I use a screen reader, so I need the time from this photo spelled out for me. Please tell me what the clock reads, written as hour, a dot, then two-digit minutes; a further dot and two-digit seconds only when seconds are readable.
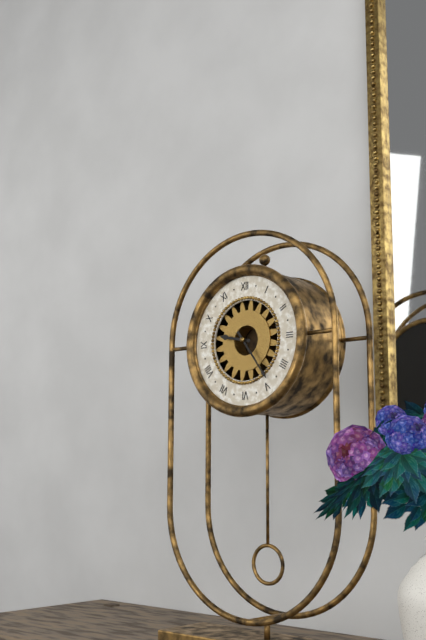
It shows 9.24
